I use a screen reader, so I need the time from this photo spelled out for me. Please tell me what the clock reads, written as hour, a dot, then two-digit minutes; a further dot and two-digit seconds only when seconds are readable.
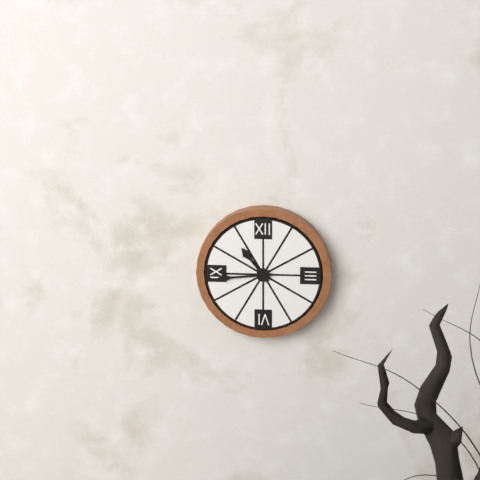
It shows 10.44
